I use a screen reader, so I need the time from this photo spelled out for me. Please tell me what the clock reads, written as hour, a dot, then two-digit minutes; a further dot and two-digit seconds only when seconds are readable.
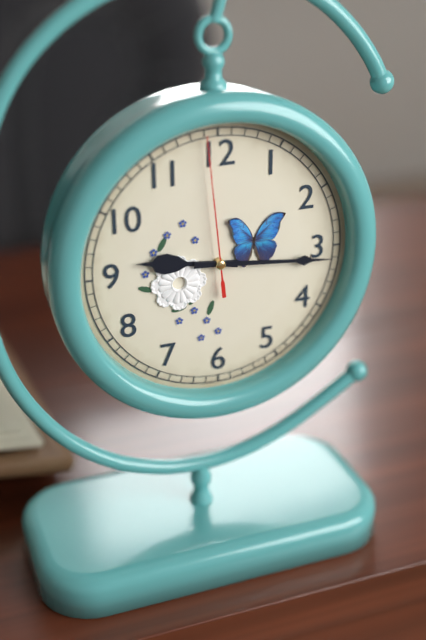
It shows 9.16.59
